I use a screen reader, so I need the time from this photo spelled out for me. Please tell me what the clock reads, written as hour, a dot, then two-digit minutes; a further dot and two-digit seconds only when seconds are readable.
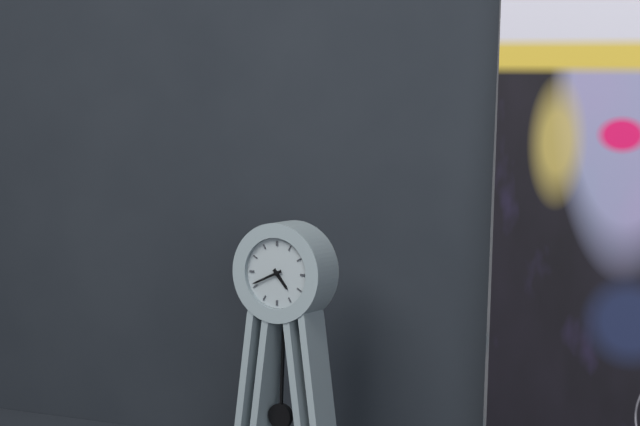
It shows 4.41
